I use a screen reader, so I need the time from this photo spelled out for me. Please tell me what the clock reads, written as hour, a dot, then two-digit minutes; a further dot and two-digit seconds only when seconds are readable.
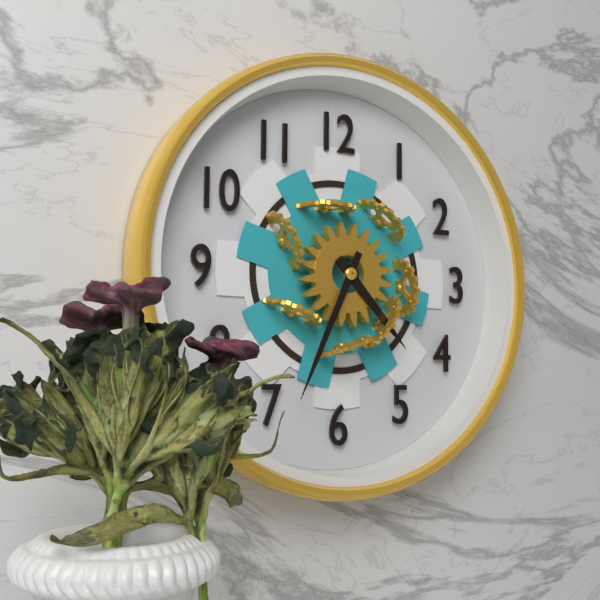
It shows 4.34
